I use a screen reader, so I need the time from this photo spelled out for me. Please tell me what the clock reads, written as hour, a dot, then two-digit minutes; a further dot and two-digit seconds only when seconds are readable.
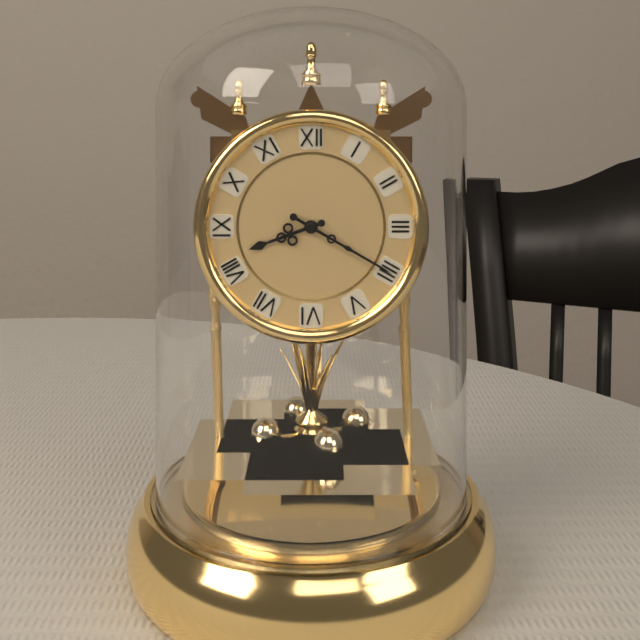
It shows 8.20
